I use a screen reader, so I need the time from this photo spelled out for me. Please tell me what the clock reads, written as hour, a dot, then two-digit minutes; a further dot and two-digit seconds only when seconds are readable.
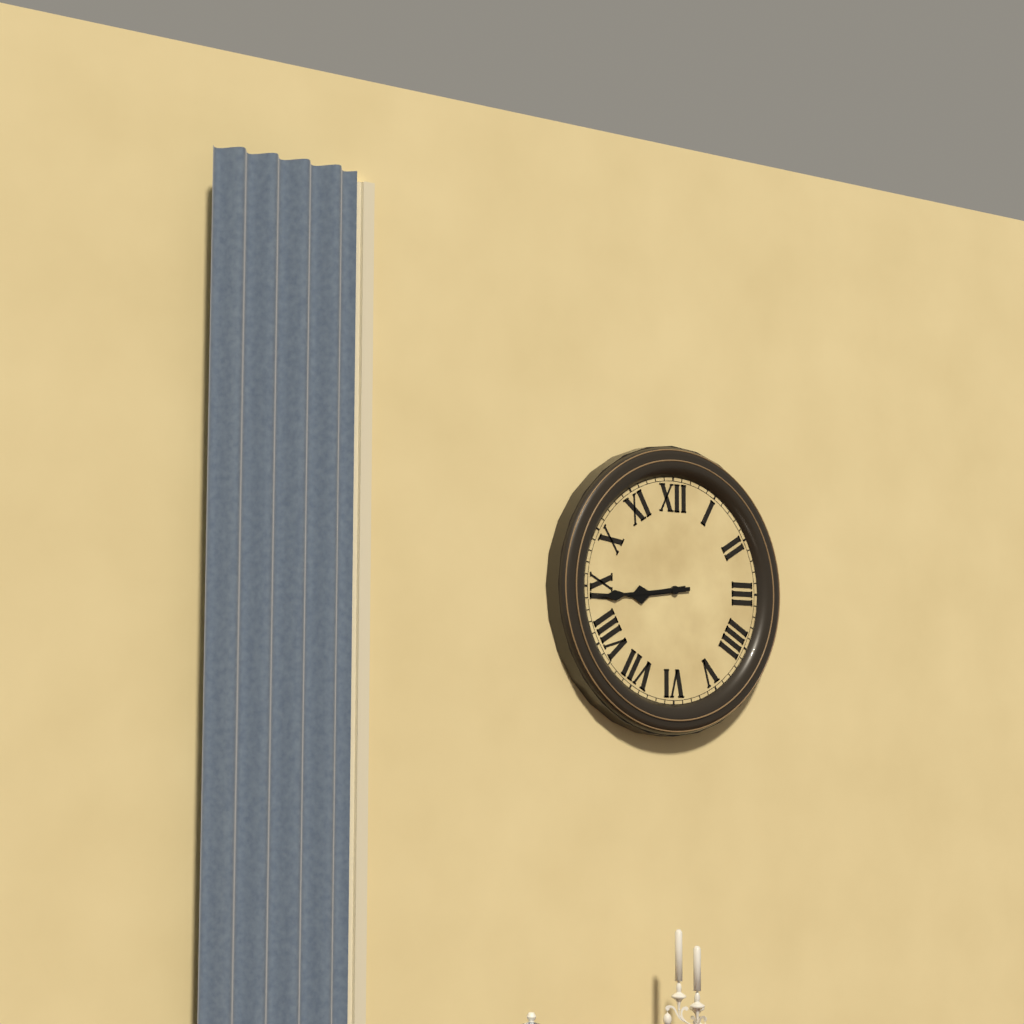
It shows 8.44
